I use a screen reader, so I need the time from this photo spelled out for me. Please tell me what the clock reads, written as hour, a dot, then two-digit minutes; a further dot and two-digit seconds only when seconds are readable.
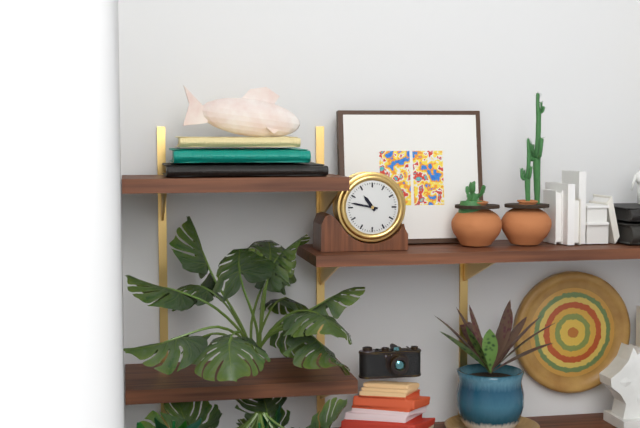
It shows 10.47
